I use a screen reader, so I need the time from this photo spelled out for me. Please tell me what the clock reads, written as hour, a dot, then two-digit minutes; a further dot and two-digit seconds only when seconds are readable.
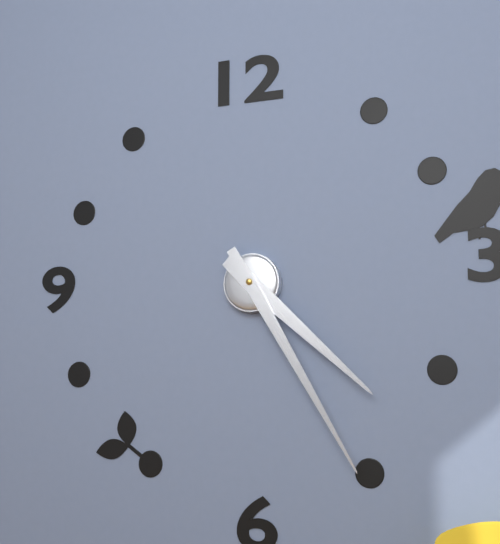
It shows 4.25
